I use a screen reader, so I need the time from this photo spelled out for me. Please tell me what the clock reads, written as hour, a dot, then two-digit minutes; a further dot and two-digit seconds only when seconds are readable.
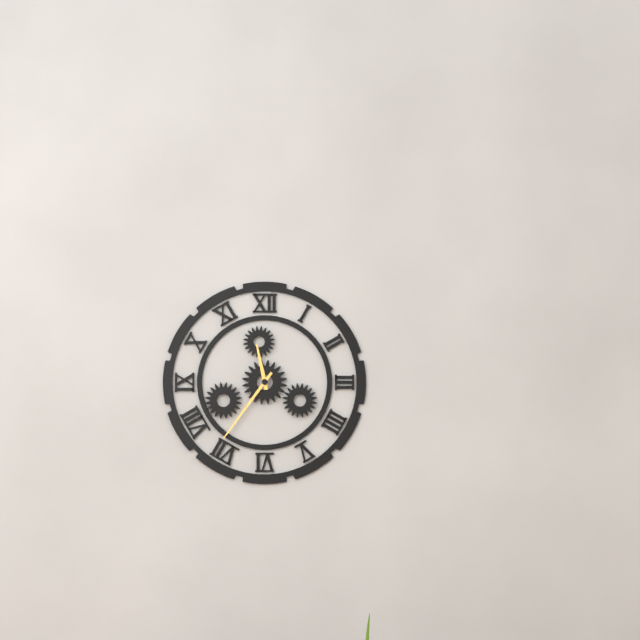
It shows 11.36
